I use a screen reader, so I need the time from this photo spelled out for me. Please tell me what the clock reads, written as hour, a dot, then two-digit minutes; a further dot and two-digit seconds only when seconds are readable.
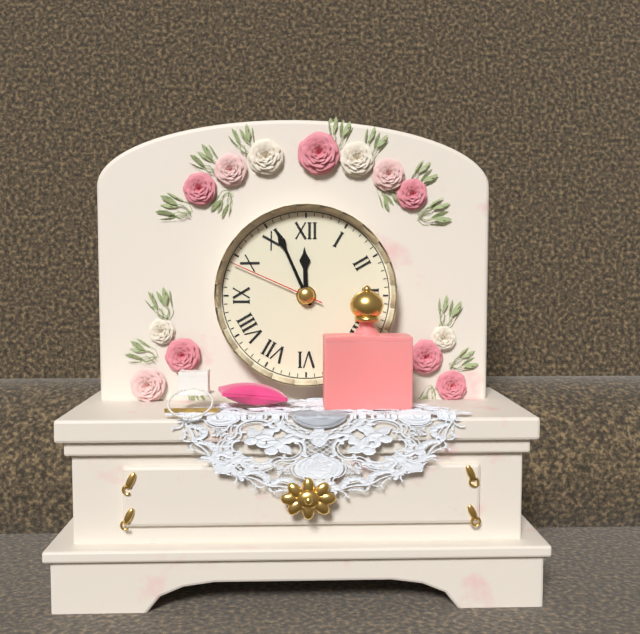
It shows 11.56.49
